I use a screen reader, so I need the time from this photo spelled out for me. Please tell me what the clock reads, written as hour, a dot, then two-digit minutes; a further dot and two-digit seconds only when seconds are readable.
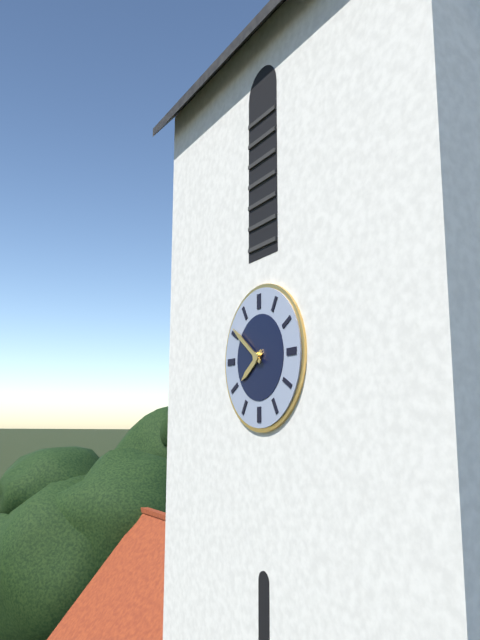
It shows 7.51
